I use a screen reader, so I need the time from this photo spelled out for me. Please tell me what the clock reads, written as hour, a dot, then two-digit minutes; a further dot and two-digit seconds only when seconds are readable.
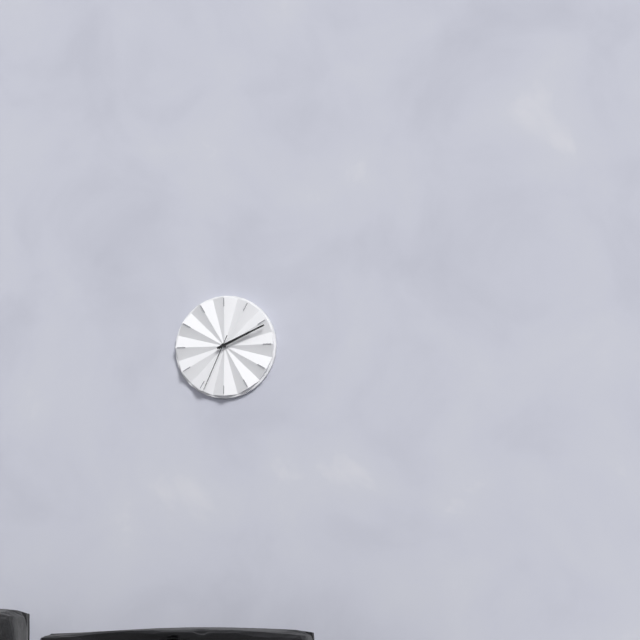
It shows 2.11.34
